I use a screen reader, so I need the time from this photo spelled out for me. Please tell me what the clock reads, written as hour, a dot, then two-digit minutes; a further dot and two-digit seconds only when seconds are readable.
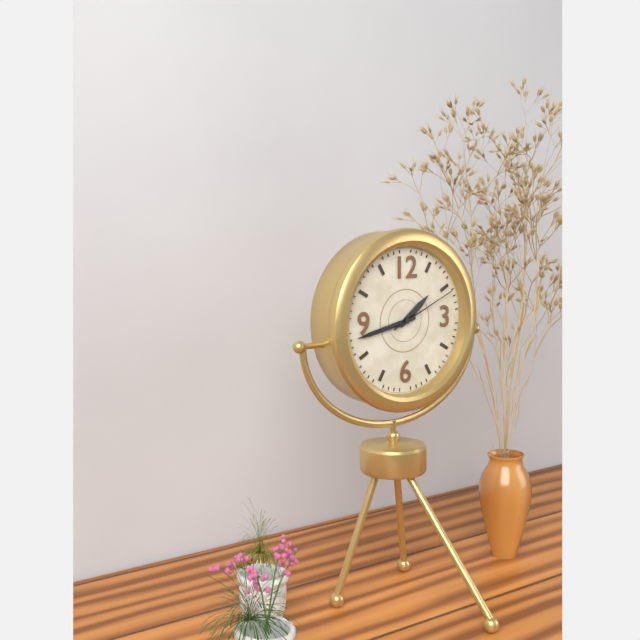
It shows 1.43.11
